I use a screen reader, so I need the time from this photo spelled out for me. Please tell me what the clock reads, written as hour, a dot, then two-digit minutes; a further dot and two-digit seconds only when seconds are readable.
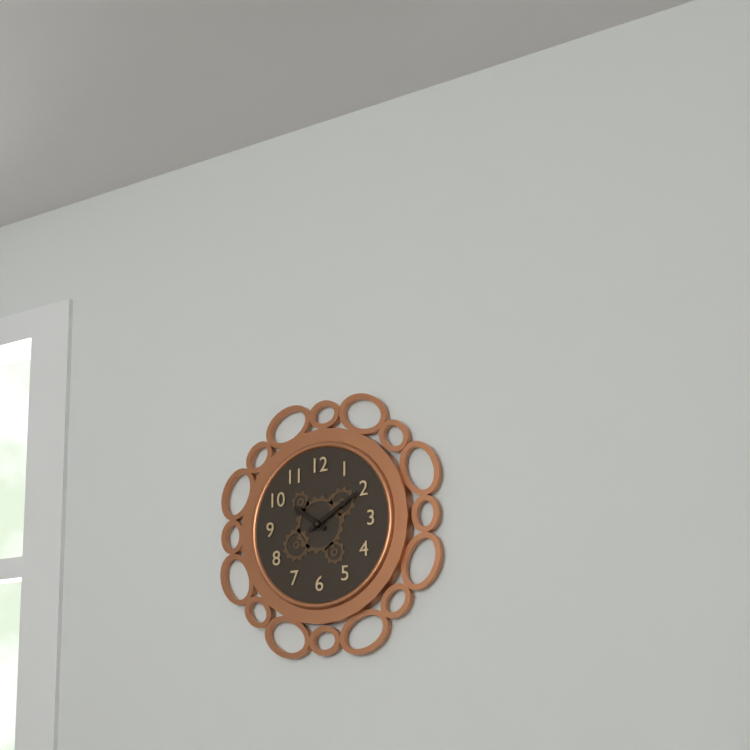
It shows 10.10
